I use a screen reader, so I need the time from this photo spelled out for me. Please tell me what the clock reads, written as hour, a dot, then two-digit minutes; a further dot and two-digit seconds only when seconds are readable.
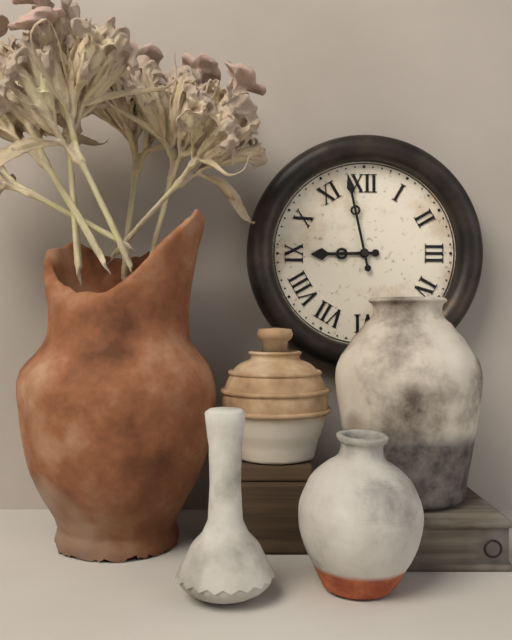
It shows 8.58
